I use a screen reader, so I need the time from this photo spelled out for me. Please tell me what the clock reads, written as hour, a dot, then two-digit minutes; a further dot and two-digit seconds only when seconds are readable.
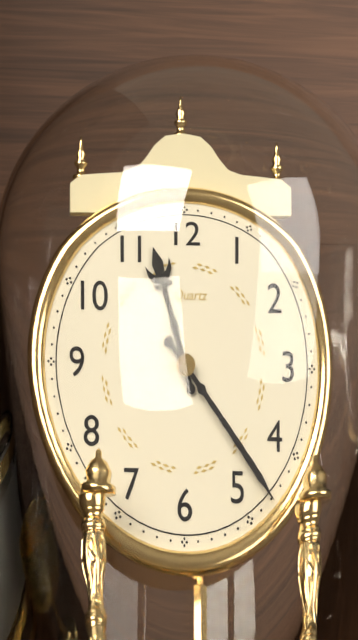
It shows 11.23
